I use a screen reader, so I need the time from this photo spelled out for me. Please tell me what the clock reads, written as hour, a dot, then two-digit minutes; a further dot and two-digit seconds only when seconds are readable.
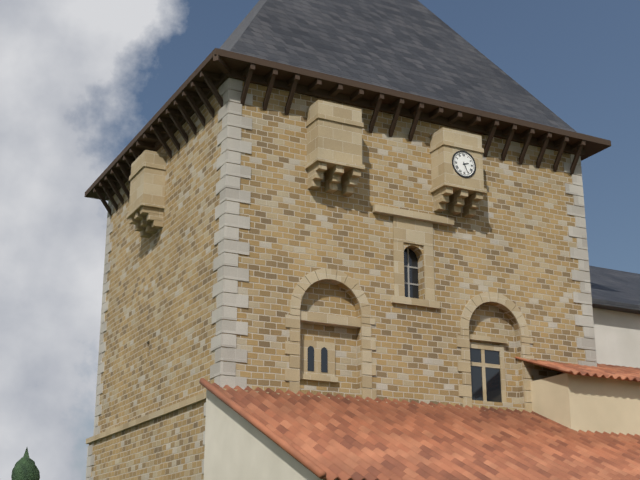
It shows 2.26
